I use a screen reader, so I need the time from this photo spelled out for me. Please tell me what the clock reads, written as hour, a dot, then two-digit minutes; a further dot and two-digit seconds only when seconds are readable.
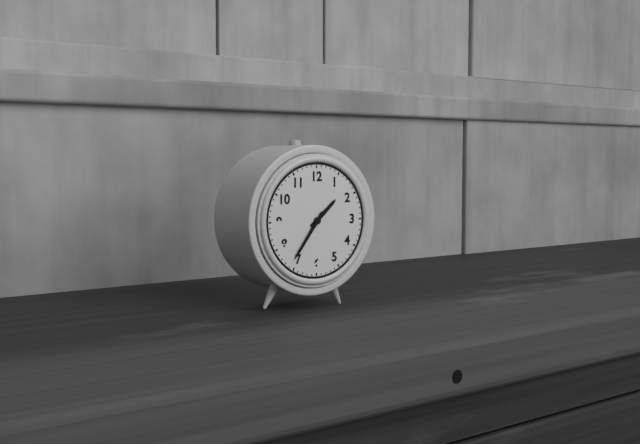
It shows 1.36
